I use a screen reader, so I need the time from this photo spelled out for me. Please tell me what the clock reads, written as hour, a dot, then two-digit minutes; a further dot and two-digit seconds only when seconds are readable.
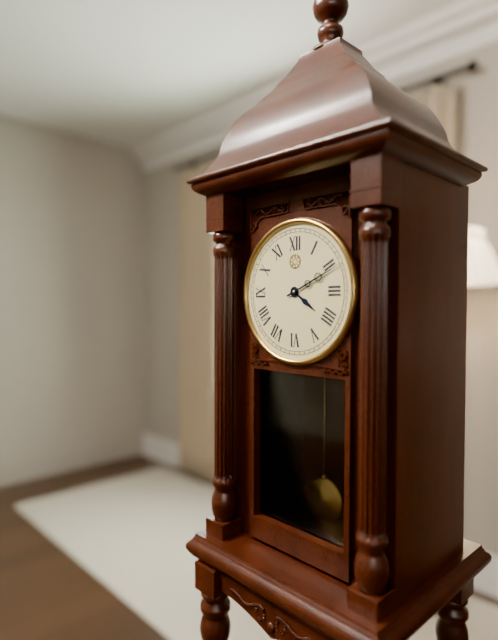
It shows 4.11
